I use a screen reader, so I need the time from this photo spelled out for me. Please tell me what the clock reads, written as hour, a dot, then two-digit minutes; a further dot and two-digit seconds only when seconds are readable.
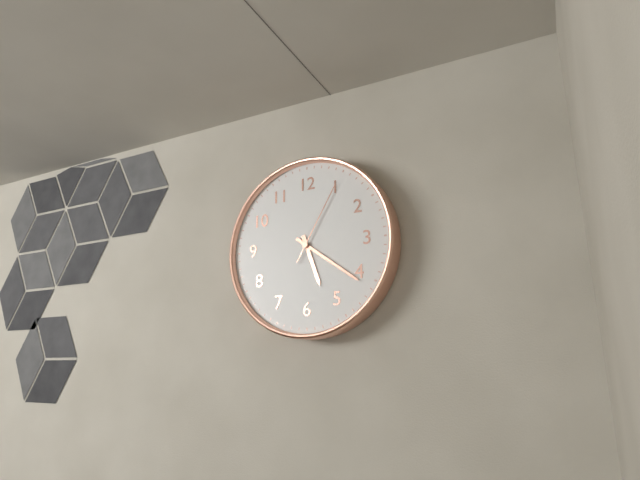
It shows 5.21.05
